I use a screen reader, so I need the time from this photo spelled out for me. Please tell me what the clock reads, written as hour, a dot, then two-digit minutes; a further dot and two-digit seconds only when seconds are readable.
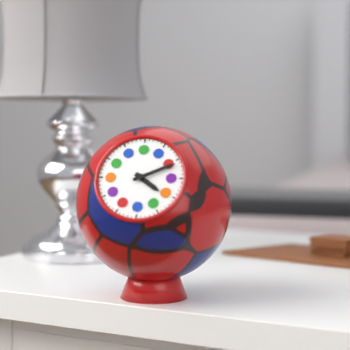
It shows 4.11
